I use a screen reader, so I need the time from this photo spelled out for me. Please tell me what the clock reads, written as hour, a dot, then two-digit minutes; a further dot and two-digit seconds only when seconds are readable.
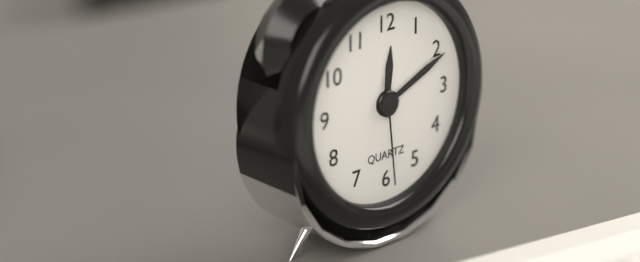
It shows 12.11.29
